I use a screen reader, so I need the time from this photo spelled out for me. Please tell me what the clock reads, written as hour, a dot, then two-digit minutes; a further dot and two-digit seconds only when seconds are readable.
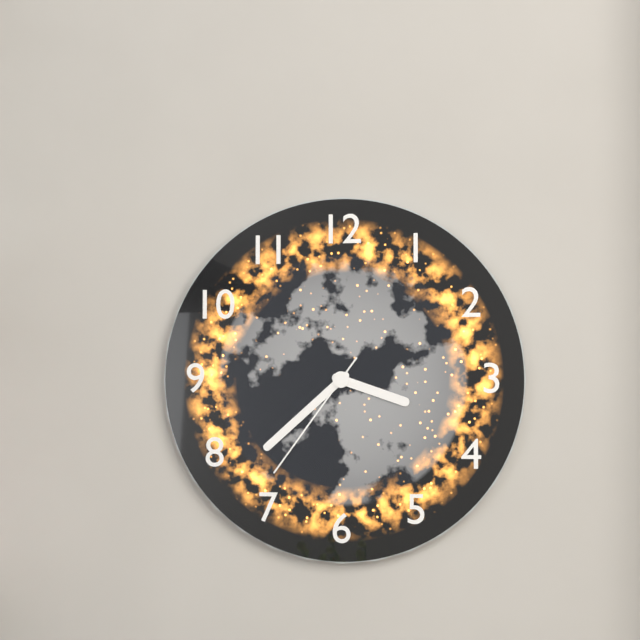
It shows 3.38.36
